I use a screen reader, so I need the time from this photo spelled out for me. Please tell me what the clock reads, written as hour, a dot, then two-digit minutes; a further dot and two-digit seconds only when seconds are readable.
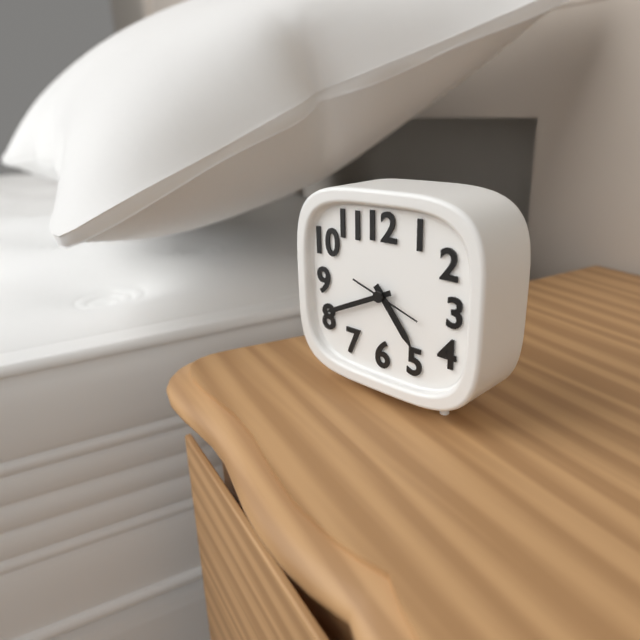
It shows 4.41.18
